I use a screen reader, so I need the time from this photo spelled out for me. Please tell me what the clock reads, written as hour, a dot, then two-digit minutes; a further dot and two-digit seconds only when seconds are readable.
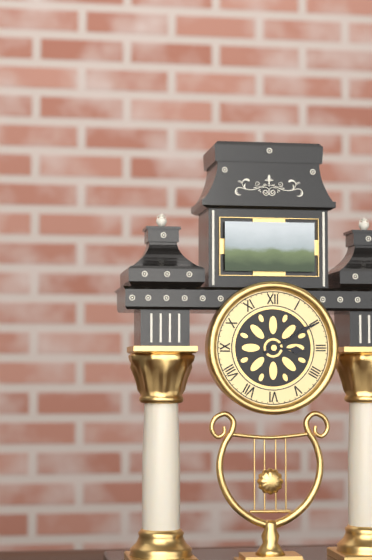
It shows 3.10
